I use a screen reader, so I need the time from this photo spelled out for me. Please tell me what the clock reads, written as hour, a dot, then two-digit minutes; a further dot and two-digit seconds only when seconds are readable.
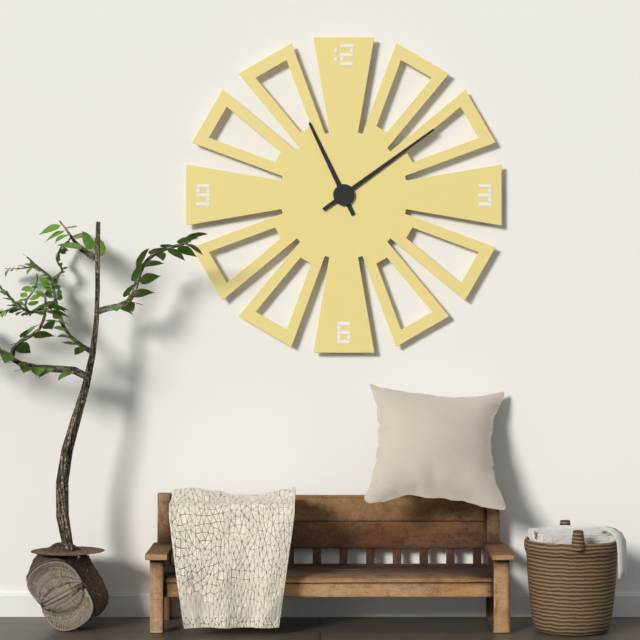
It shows 11.09
